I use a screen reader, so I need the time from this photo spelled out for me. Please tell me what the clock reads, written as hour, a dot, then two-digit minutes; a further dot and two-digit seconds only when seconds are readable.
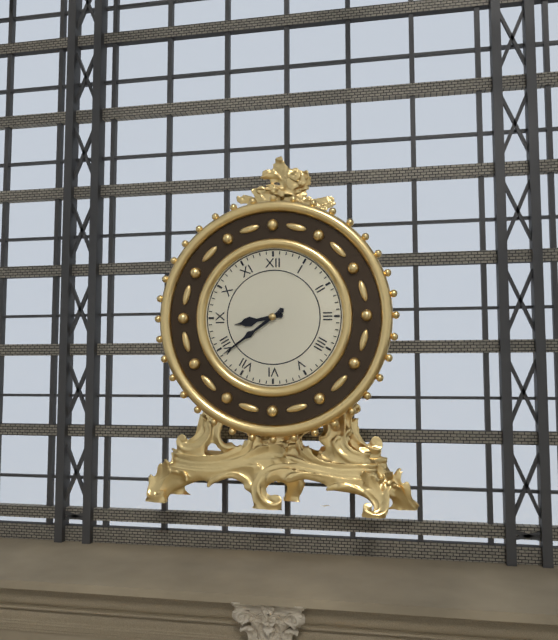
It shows 8.39
